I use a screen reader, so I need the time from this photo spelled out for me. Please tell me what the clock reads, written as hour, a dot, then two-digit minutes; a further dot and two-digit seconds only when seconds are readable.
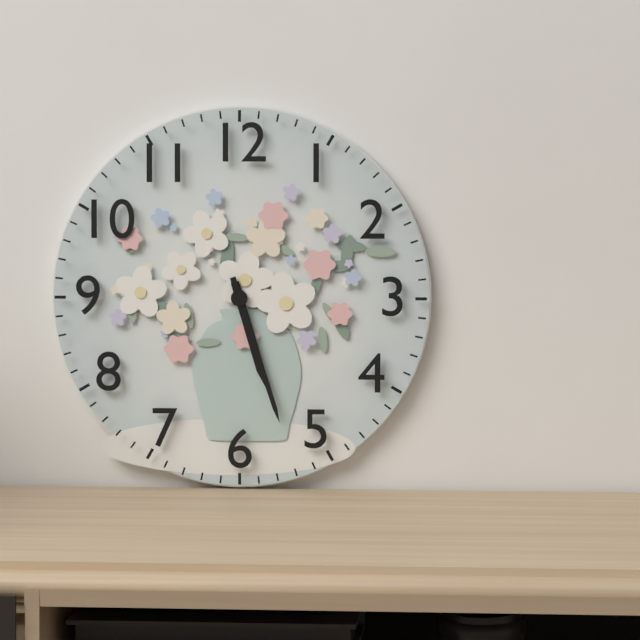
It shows 5.27
